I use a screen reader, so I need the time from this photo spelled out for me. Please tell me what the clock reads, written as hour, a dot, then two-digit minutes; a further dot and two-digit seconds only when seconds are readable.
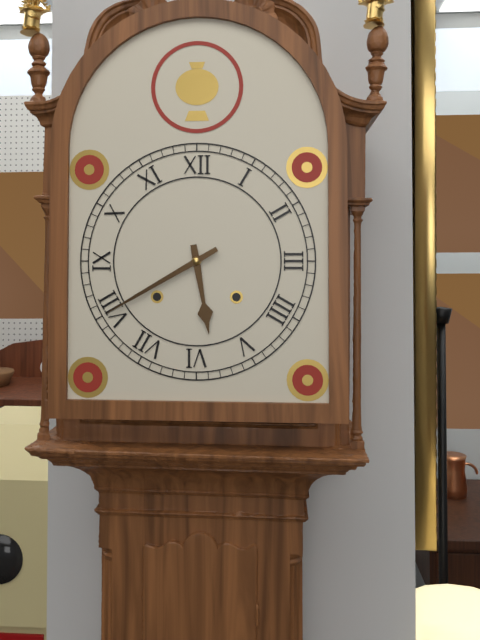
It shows 5.40
